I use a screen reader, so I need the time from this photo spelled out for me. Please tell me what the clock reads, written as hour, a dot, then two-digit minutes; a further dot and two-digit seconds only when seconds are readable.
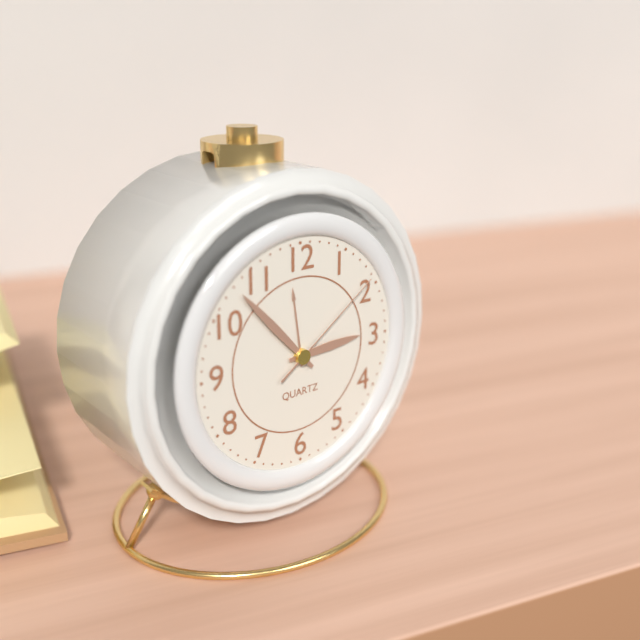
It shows 2.53.09
